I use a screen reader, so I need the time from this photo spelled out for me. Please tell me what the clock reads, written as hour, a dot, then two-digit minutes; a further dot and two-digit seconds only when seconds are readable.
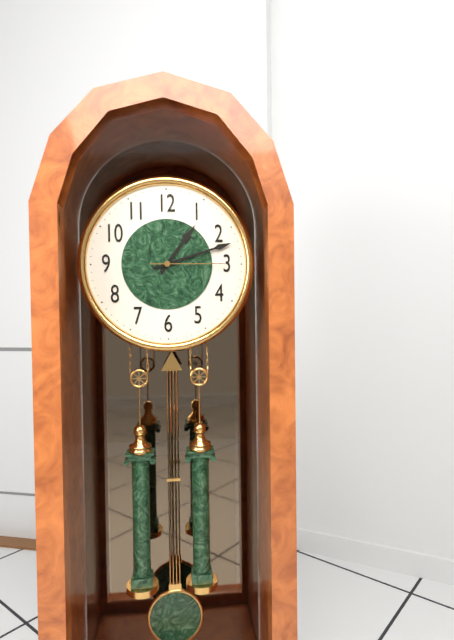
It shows 1.12.15
